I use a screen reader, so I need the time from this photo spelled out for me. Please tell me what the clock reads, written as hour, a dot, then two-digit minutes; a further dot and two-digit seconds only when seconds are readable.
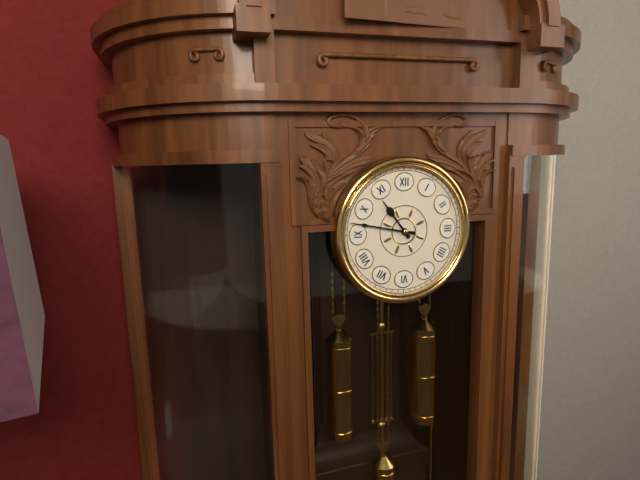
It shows 10.47
